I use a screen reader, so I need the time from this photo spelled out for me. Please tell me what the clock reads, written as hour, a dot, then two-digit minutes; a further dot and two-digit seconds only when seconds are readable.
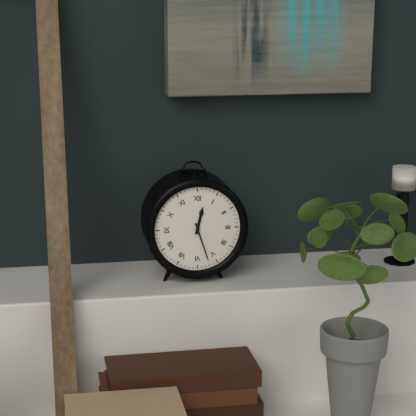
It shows 12.27
